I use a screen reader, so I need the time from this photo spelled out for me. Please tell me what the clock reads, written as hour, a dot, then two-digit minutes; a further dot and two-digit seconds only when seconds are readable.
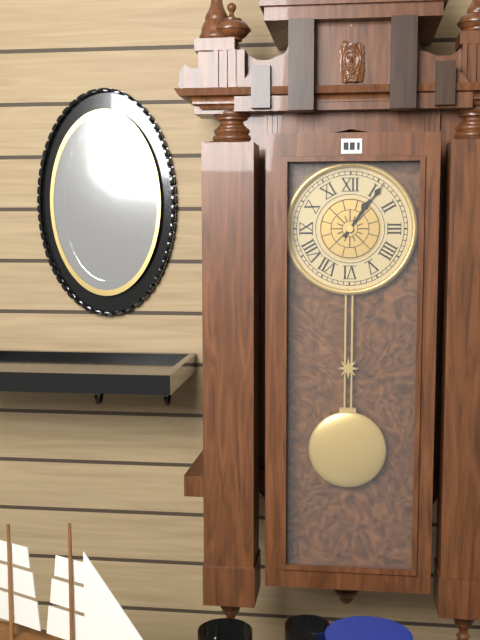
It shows 1.06
